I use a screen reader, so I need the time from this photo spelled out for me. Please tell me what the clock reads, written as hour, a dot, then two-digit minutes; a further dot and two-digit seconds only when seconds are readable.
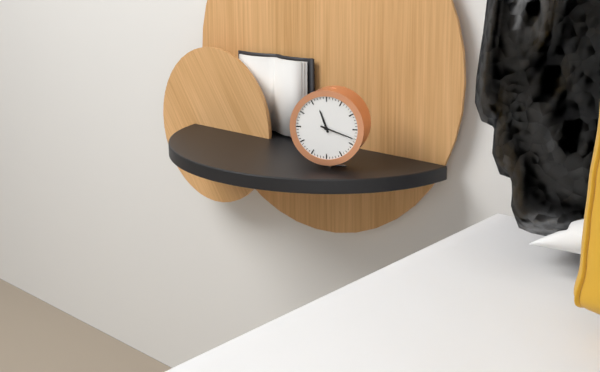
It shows 11.18
